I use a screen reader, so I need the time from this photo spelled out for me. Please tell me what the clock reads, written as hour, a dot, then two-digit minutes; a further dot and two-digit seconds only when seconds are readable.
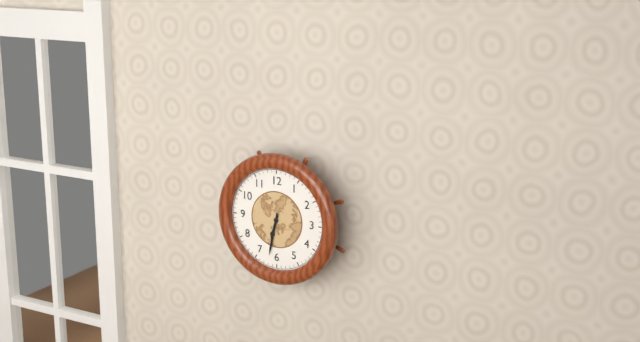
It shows 6.32
